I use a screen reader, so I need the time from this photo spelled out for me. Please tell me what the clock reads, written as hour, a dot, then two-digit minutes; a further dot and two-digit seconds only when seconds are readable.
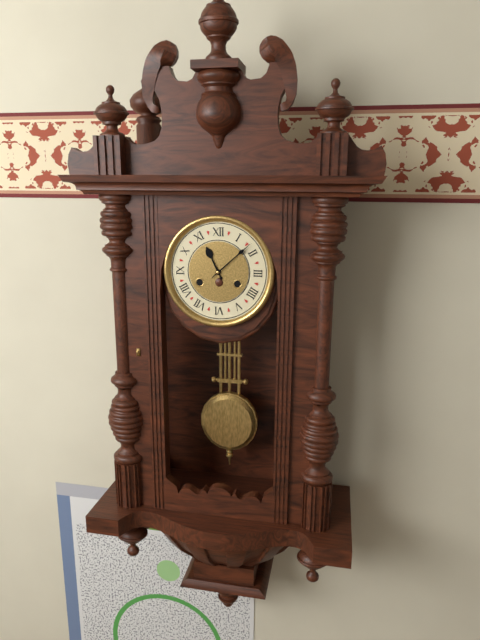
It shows 11.08
